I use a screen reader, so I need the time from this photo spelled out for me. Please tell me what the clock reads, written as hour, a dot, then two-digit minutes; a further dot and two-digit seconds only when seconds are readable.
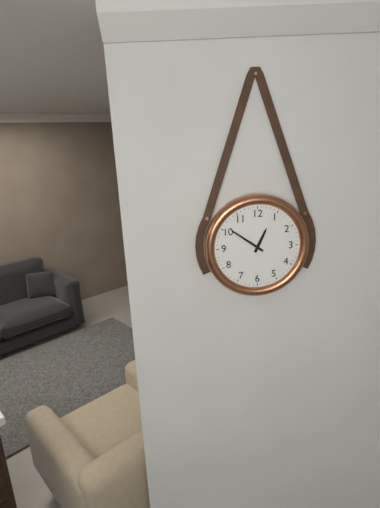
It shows 12.51
